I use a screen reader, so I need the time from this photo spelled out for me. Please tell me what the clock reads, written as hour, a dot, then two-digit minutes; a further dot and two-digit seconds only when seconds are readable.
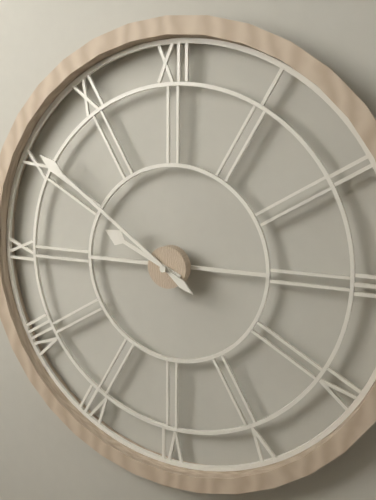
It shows 9.51
